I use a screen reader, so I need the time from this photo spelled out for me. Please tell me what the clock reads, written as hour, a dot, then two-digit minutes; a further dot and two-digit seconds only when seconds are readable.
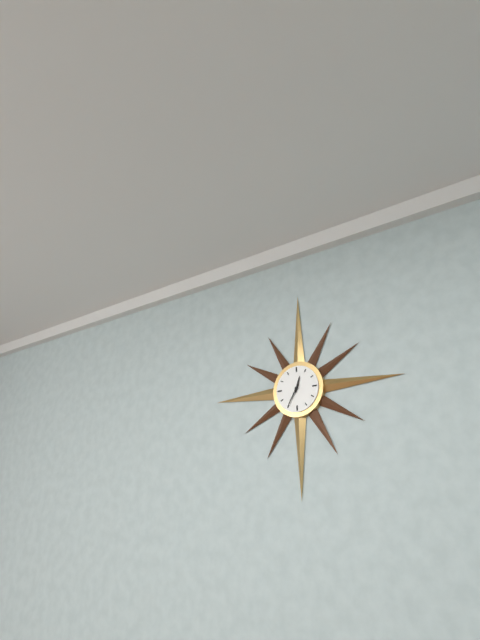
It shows 12.35
